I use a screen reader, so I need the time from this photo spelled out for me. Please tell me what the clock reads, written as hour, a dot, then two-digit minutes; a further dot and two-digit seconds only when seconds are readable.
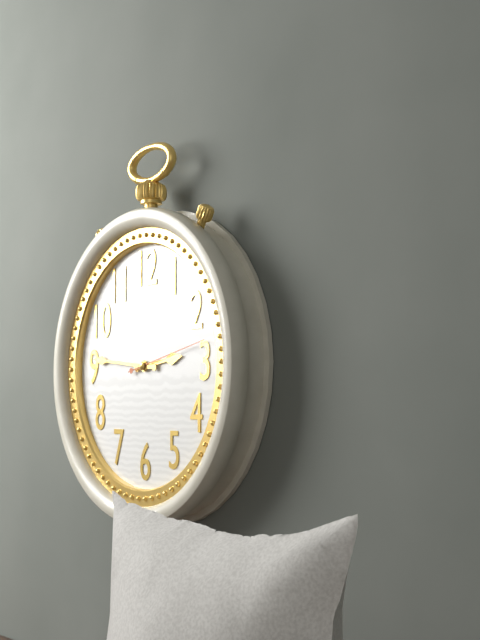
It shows 2.46.13
